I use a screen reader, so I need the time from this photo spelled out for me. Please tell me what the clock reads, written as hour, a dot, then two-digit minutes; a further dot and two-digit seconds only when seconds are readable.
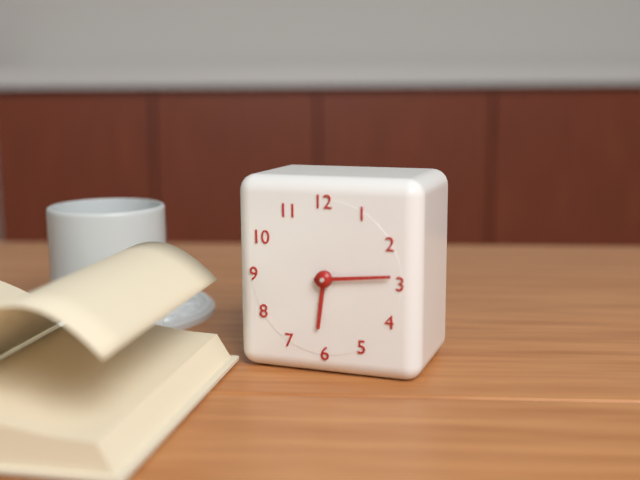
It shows 6.14
